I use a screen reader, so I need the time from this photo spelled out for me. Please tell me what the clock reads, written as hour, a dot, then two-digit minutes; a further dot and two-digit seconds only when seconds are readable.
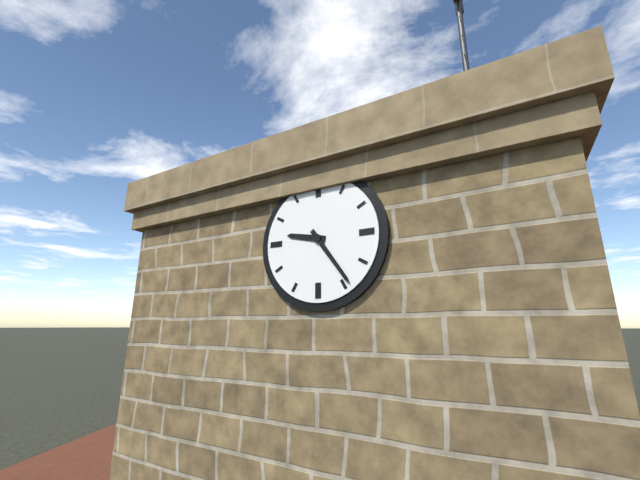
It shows 9.24
